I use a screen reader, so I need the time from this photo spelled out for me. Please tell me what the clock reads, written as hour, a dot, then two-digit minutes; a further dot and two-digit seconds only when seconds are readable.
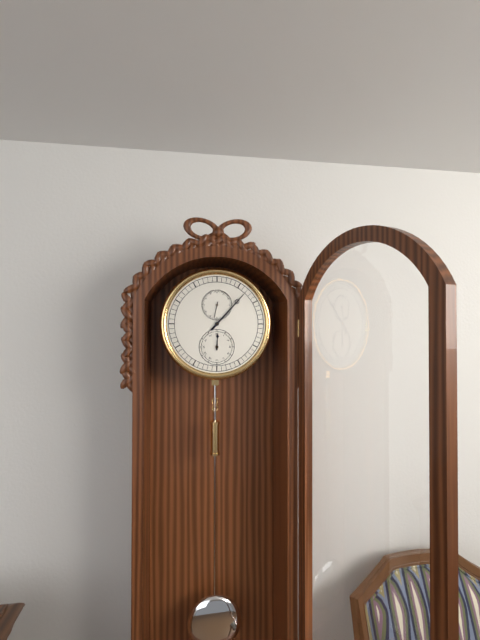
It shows 12.07
